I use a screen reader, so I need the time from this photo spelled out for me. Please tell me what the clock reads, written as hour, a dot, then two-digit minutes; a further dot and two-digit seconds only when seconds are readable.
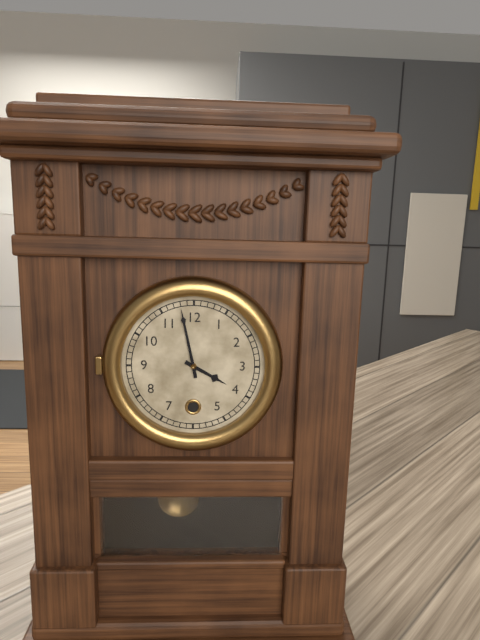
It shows 3.58
